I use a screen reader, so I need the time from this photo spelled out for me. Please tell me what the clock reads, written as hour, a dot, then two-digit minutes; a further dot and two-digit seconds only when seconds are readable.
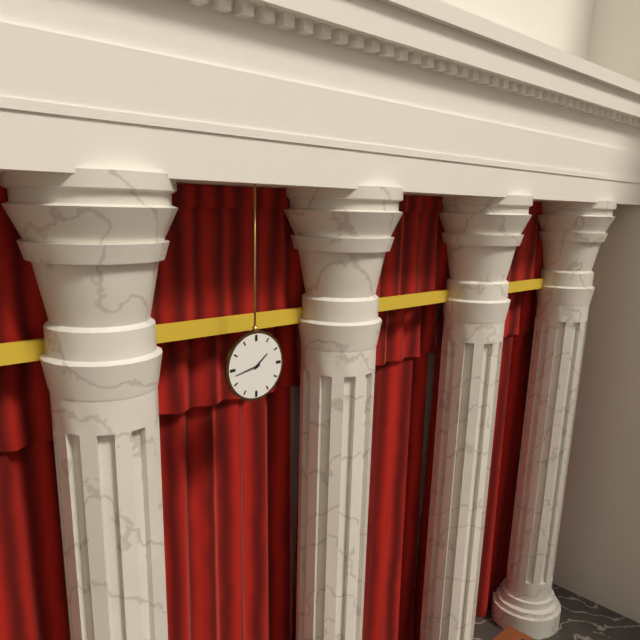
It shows 1.43
